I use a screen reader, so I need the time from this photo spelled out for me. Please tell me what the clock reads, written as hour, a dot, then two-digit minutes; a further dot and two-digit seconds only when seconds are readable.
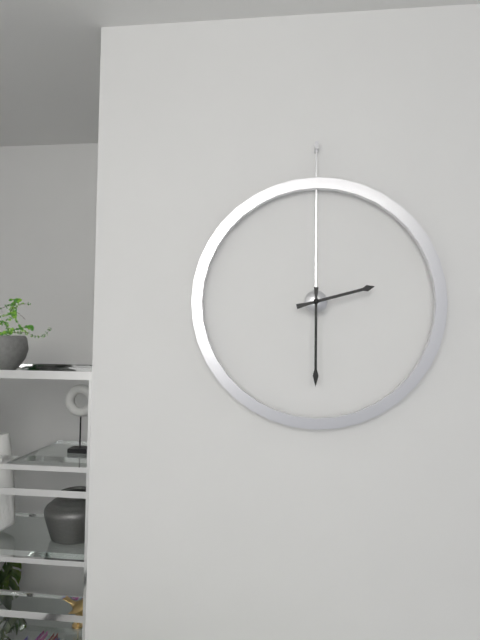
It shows 2.30
